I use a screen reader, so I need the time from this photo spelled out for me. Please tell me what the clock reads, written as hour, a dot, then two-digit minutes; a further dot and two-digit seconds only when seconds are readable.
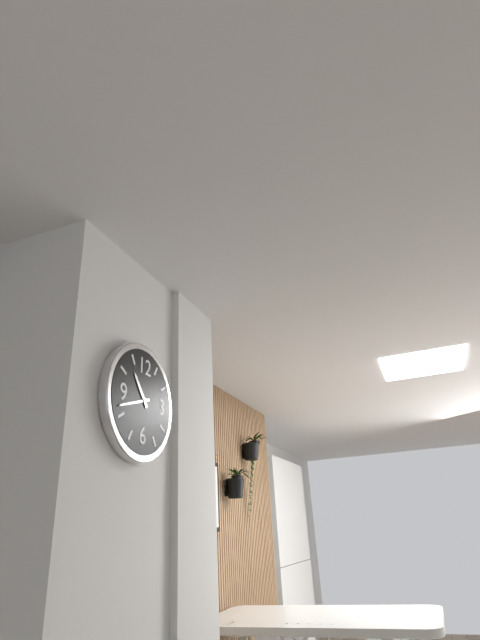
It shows 10.42
